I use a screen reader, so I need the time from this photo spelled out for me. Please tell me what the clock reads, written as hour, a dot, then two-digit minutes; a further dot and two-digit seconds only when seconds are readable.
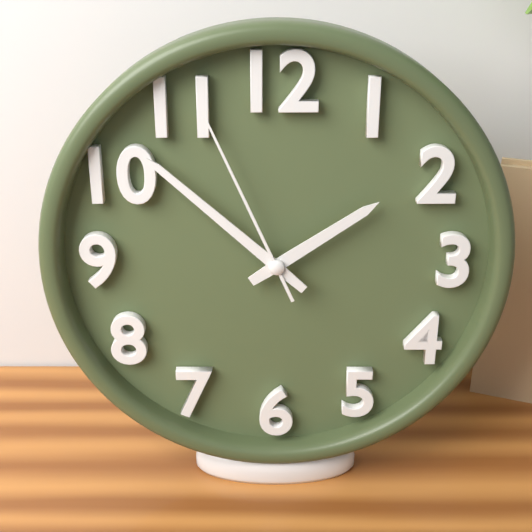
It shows 1.52.56
